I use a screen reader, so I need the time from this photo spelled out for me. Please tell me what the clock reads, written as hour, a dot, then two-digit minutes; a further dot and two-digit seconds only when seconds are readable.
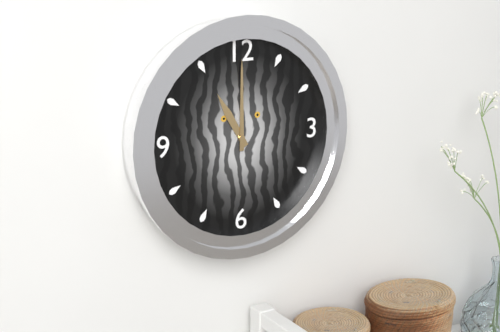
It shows 11.00
